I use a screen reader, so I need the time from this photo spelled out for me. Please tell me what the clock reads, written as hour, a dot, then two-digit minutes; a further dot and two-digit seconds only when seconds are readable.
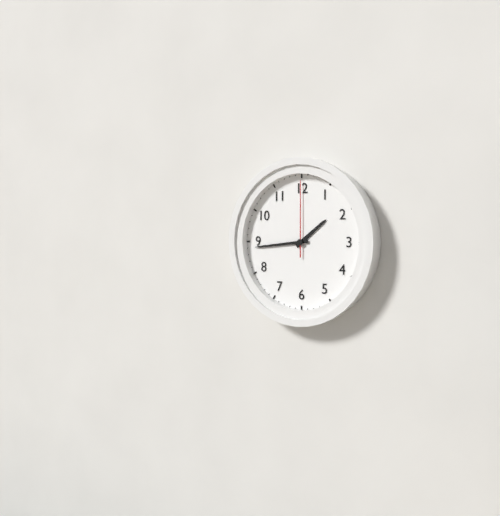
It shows 1.44.00
